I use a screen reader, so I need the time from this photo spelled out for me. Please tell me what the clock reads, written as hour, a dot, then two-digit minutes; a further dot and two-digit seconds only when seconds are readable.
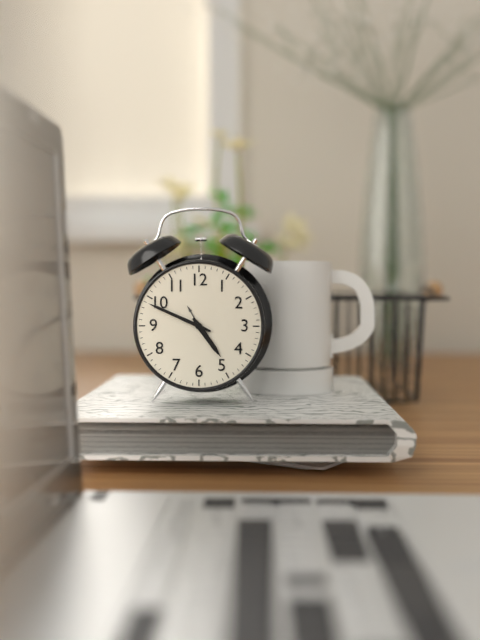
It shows 4.49
